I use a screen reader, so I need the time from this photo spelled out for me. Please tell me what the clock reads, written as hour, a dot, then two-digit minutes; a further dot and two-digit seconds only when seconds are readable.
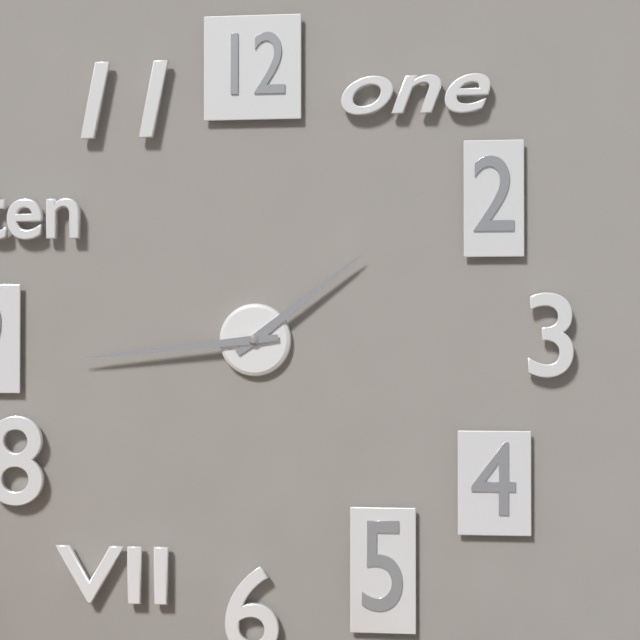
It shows 1.44
